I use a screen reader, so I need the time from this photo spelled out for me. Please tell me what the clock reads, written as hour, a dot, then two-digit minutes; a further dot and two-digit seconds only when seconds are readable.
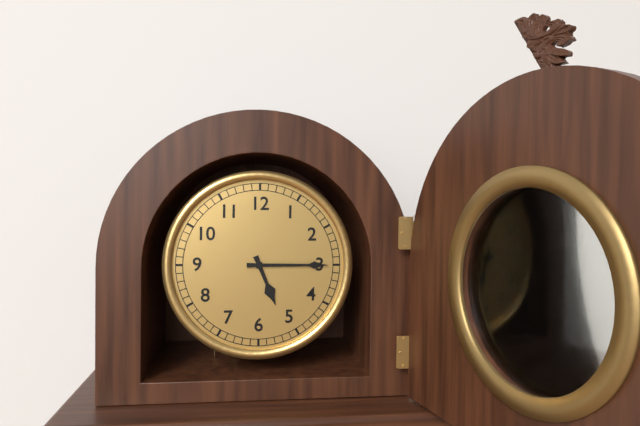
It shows 5.15
